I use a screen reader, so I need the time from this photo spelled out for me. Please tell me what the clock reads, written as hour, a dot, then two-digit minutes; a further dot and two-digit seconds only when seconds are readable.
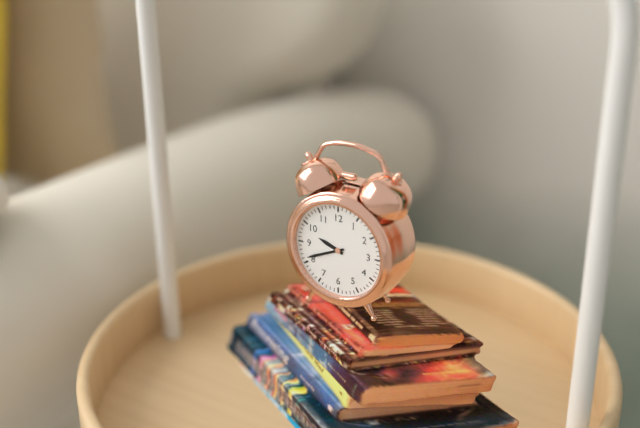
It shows 9.41
